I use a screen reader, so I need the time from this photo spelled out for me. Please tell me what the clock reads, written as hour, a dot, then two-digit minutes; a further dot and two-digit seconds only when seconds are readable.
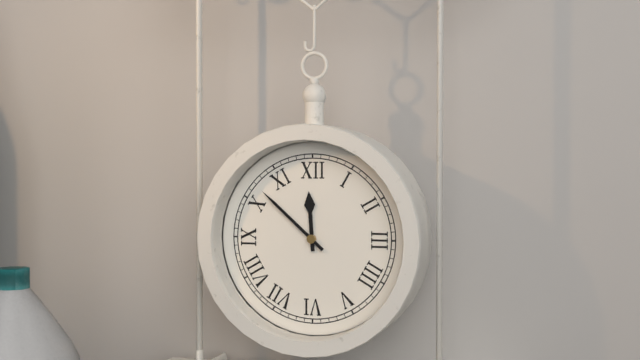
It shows 11.52
